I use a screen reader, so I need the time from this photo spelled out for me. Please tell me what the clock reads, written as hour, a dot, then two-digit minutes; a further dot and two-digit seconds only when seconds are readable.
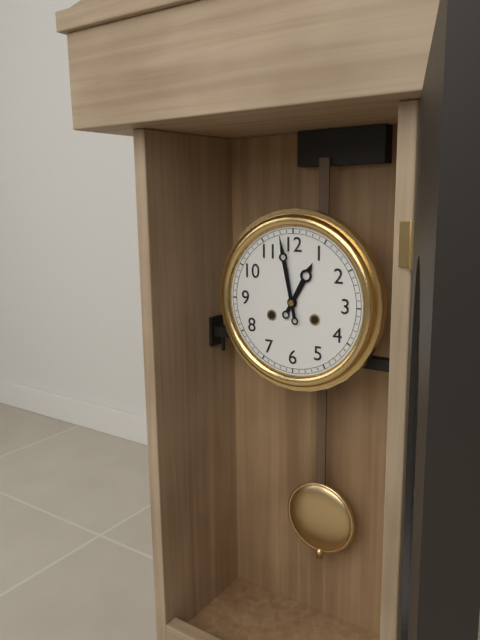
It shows 12.58
